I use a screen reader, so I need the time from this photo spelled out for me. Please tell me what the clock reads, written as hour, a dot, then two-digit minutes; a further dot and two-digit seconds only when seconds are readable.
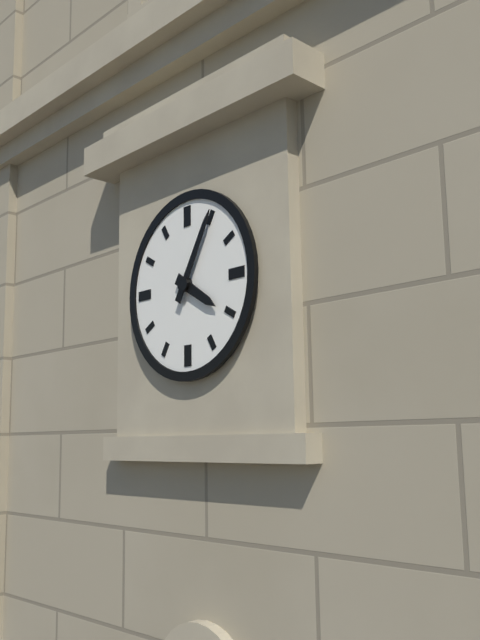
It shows 4.05
